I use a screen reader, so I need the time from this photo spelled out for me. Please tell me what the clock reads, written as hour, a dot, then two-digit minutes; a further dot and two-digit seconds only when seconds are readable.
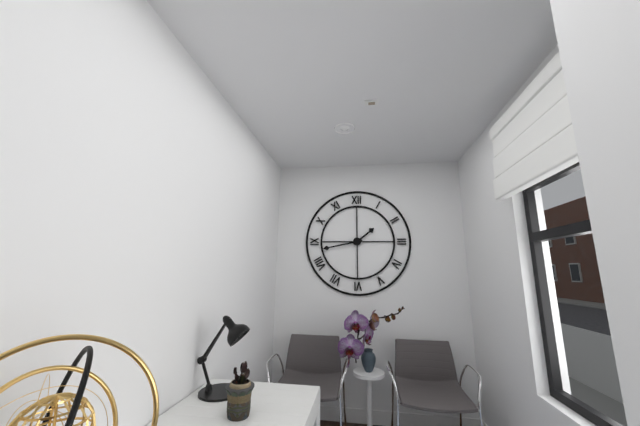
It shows 1.43
